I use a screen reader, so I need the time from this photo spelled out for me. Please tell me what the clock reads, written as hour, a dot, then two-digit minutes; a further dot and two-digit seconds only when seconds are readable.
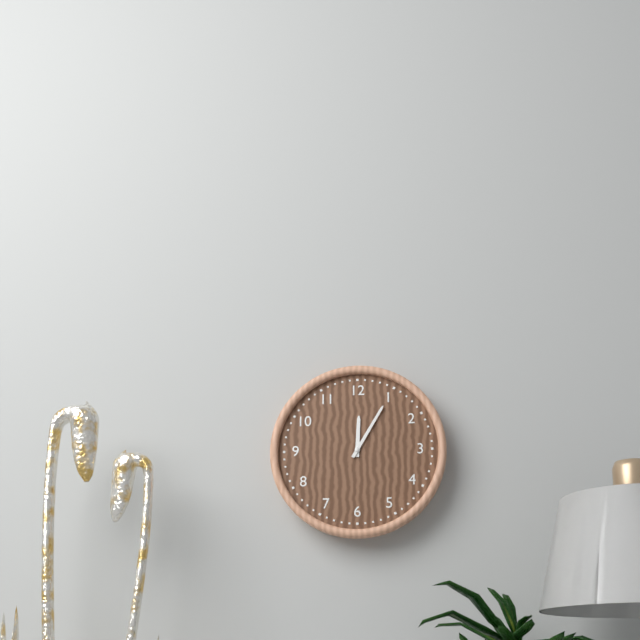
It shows 12.05
